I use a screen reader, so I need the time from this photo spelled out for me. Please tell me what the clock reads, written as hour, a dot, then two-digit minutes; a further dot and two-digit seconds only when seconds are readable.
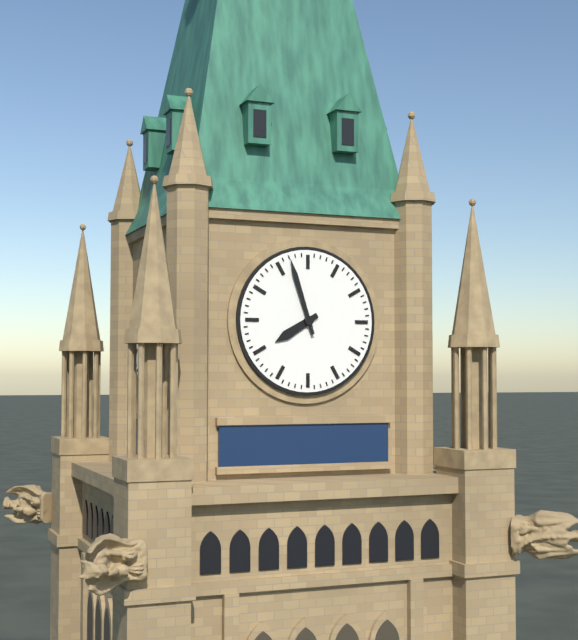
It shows 7.57
